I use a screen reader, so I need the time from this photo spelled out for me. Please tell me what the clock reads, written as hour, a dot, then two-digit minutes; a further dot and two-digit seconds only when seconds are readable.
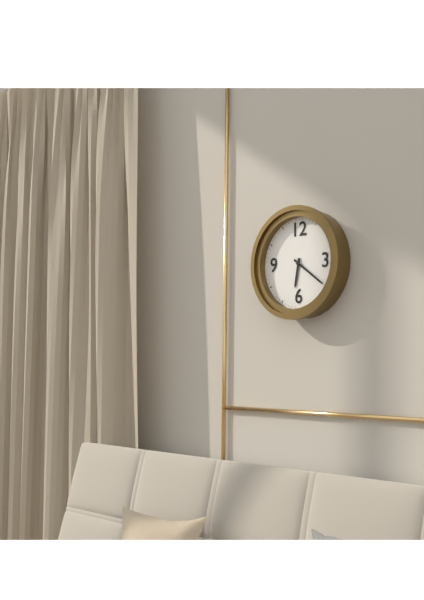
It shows 6.21
